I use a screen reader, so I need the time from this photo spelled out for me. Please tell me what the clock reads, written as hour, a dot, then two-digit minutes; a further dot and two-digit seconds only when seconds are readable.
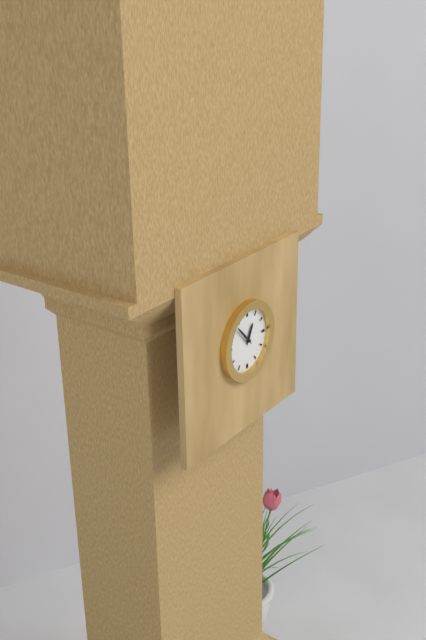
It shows 12.53
